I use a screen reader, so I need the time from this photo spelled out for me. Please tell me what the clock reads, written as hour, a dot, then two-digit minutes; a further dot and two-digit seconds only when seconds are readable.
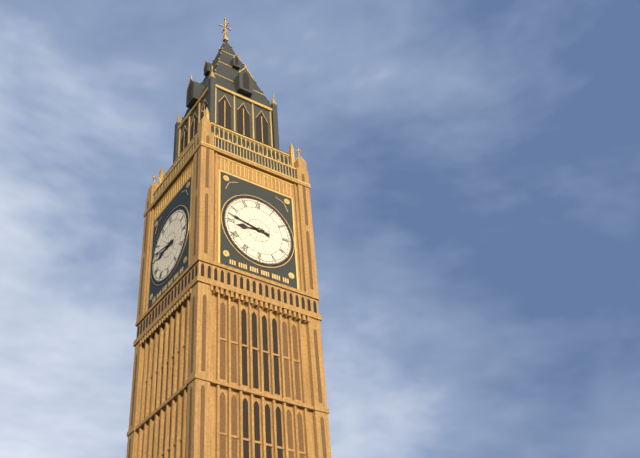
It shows 8.47
